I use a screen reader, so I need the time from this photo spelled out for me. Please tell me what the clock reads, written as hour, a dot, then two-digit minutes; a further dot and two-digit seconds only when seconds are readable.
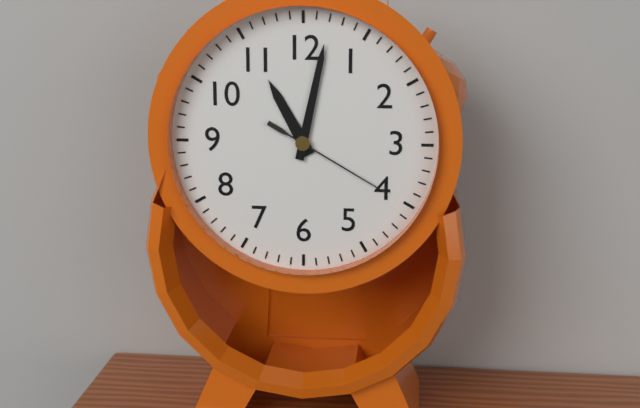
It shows 11.02.20
